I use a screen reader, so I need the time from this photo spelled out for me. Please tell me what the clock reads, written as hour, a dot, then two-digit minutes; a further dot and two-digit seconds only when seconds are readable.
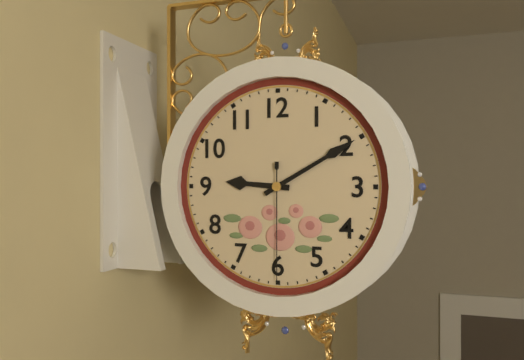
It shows 9.10.30
